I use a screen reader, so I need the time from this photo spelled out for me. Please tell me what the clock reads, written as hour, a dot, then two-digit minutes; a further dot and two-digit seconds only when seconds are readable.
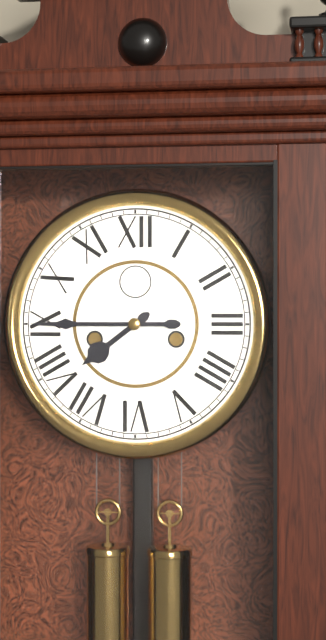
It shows 7.45
